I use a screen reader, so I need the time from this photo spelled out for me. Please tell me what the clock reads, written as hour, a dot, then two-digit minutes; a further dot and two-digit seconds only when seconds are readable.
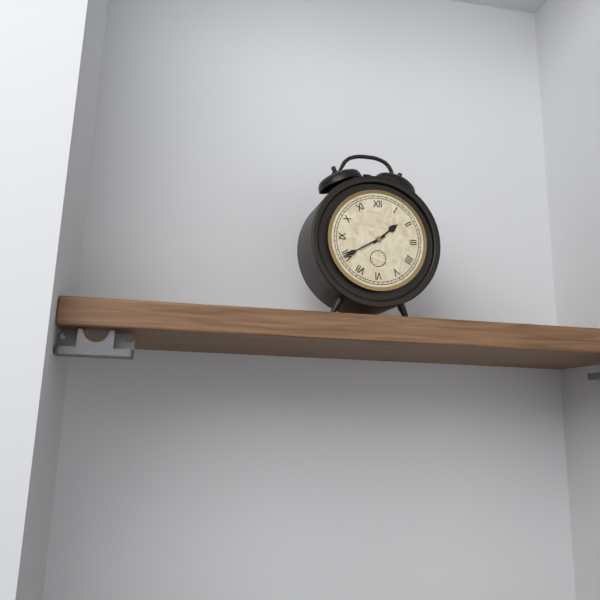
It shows 1.40
